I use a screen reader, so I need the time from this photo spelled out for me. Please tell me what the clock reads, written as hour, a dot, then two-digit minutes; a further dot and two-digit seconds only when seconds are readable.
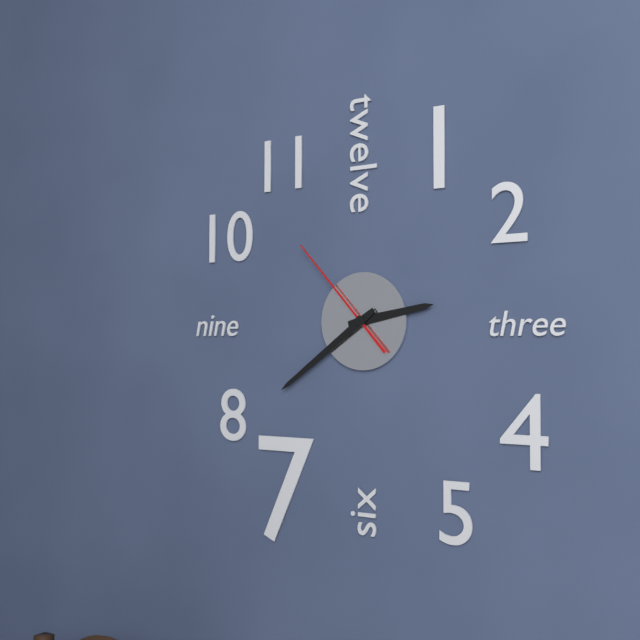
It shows 2.39.53
